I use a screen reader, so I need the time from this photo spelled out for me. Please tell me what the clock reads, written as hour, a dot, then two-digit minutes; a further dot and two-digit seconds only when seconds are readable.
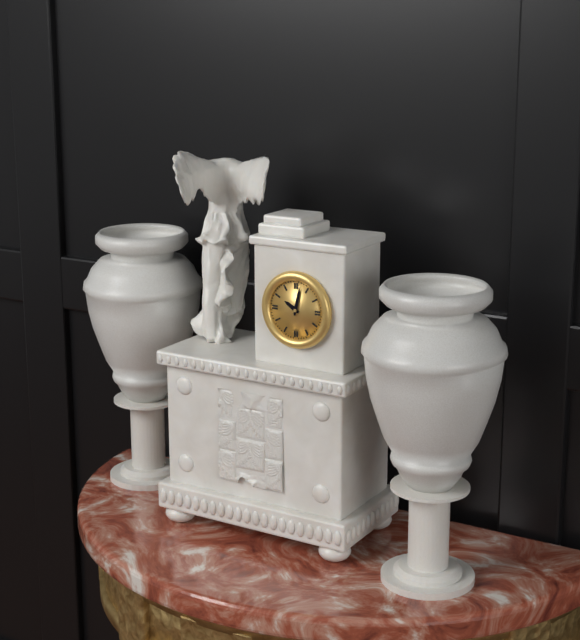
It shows 10.02
